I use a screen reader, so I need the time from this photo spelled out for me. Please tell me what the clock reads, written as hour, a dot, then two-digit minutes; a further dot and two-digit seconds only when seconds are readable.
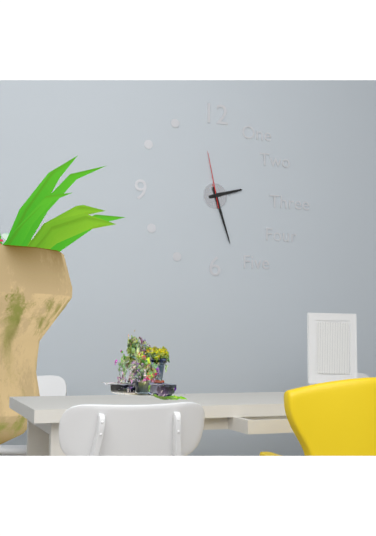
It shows 2.27.58
